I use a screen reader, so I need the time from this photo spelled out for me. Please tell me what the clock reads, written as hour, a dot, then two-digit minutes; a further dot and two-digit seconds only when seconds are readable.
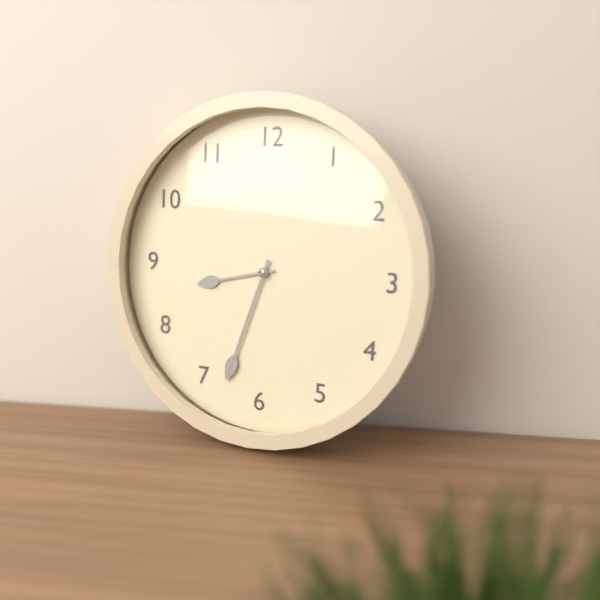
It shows 8.33
